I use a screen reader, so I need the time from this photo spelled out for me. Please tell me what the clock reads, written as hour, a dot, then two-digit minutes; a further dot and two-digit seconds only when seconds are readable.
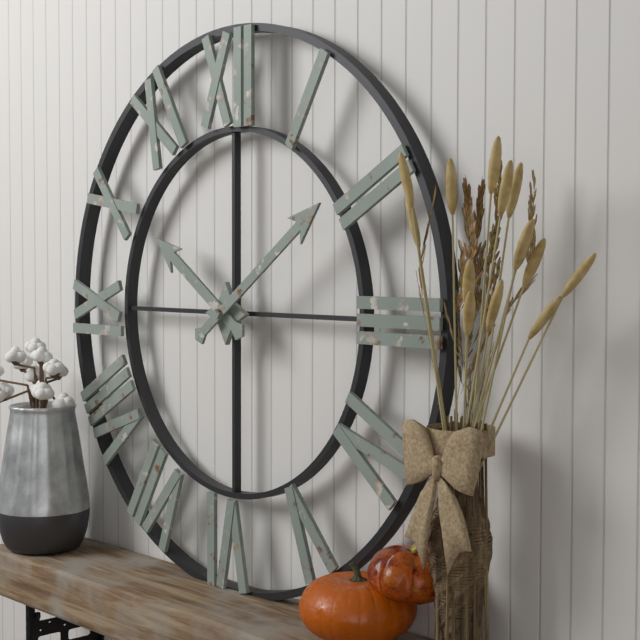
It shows 10.09
